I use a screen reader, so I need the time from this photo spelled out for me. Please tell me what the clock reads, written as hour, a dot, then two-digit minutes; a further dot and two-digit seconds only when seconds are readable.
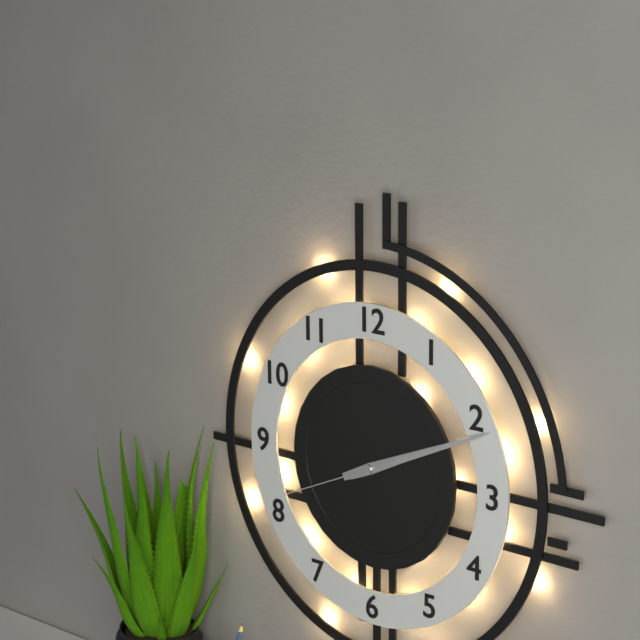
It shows 2.11.41
